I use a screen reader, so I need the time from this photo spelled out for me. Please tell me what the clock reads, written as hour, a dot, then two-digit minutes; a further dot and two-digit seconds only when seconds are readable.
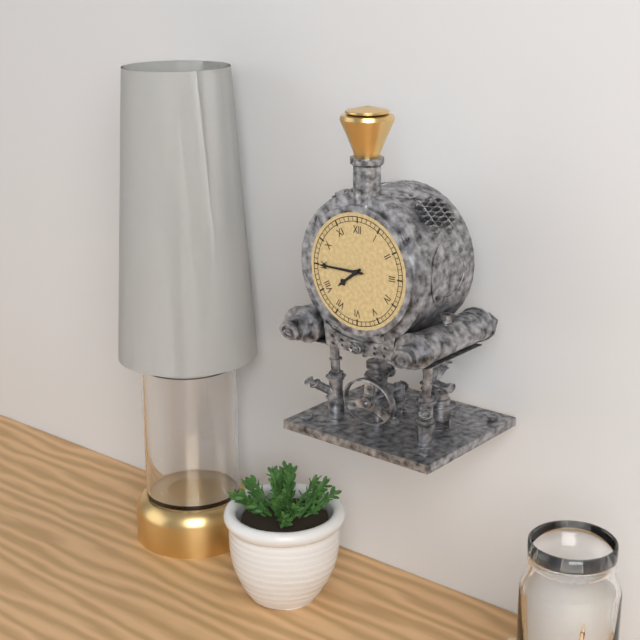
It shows 7.45
